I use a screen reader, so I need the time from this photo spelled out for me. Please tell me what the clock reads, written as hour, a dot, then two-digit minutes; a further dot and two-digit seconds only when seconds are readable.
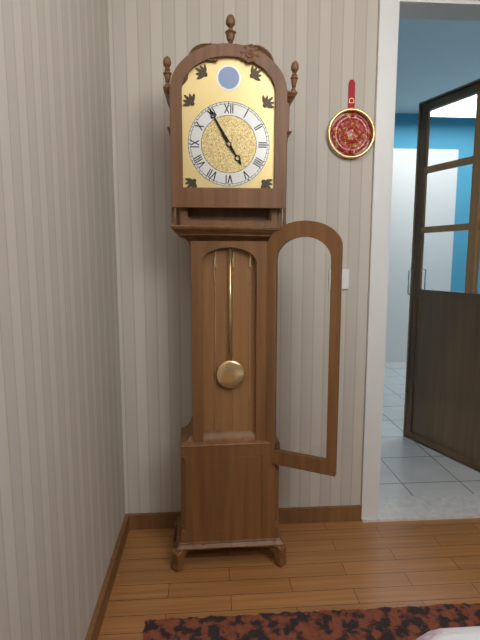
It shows 4.55
